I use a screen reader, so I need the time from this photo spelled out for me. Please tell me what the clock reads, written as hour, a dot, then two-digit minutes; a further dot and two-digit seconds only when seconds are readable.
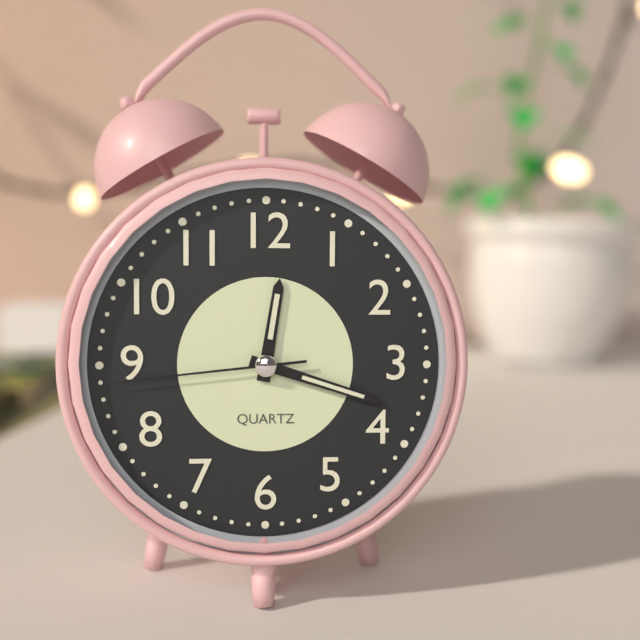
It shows 12.18.44
